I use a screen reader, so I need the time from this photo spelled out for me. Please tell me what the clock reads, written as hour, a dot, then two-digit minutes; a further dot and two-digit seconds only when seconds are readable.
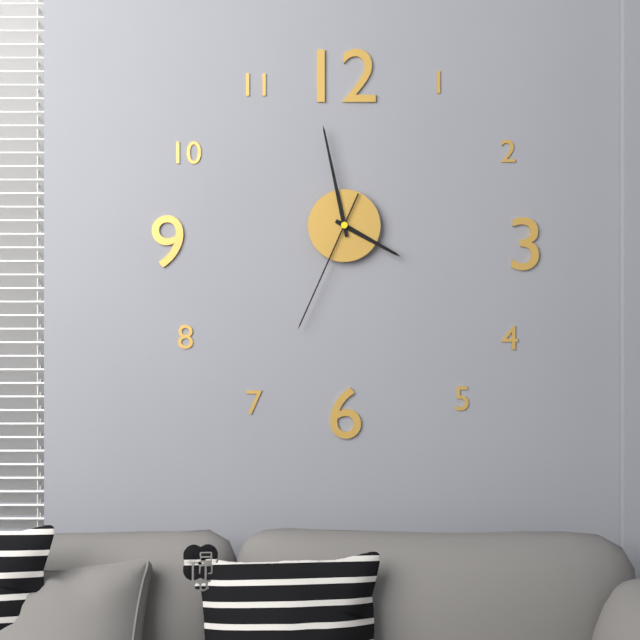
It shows 3.58.34
